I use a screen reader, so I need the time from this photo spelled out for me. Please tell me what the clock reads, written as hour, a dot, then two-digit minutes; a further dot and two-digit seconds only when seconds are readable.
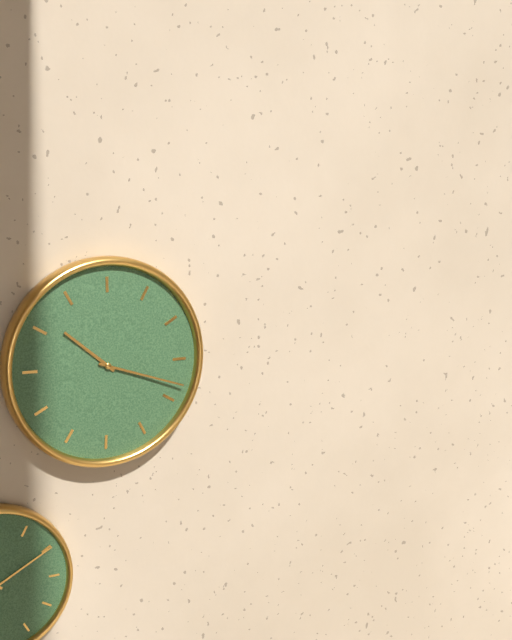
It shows 10.18
